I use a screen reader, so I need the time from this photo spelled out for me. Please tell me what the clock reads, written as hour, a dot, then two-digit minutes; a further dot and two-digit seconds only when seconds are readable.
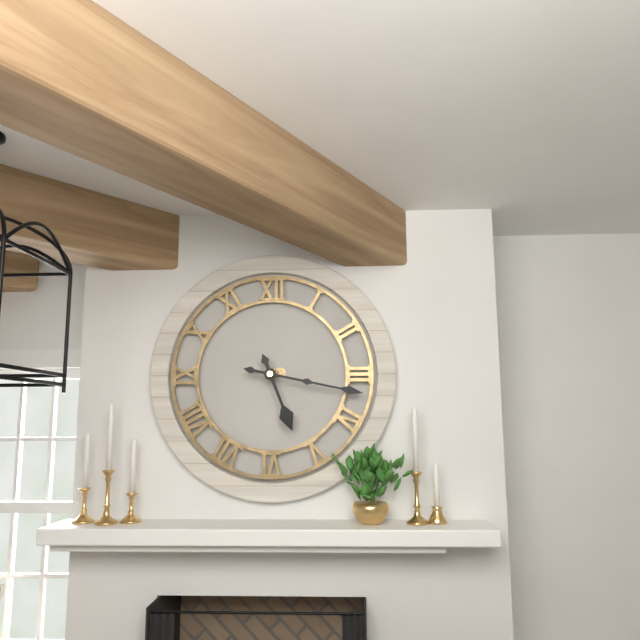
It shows 5.17
